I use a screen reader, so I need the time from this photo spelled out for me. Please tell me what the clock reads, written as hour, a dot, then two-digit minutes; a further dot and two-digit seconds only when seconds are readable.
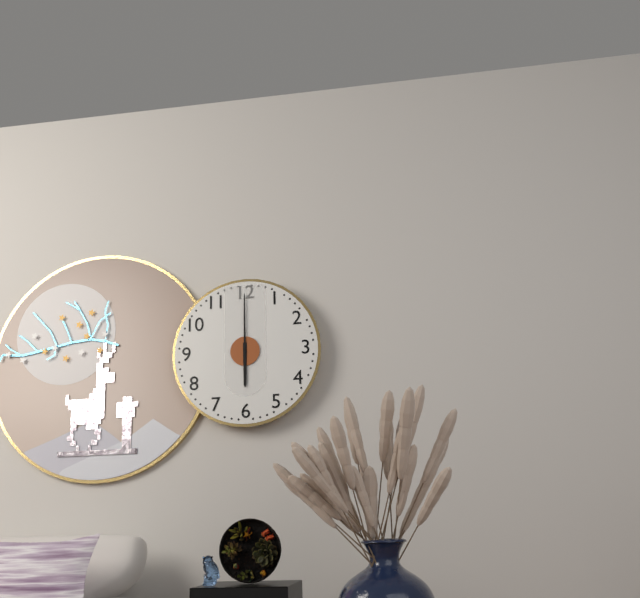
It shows 6.00
